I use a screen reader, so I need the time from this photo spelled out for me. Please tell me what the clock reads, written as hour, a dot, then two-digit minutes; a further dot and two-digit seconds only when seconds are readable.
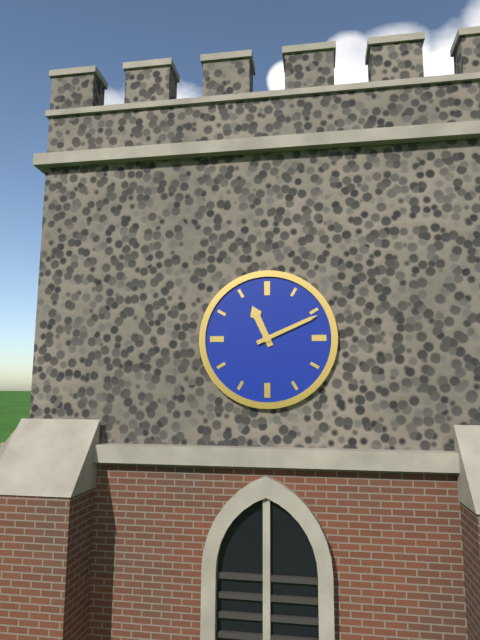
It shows 11.11
